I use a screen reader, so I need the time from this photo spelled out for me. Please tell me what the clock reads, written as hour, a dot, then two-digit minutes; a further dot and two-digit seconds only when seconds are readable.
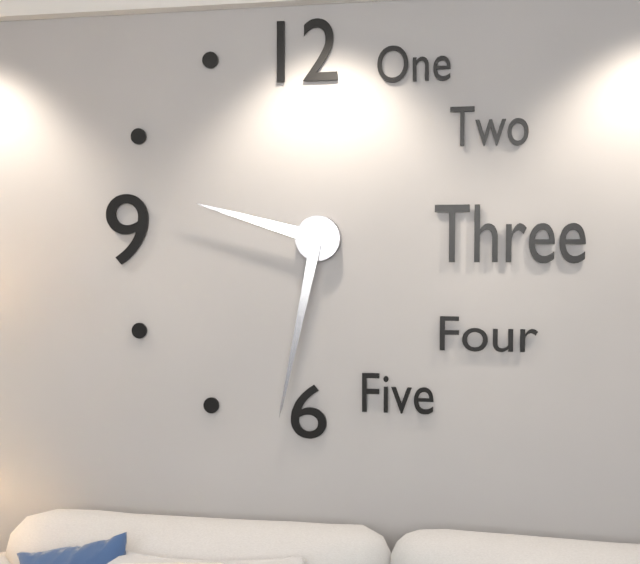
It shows 9.32
